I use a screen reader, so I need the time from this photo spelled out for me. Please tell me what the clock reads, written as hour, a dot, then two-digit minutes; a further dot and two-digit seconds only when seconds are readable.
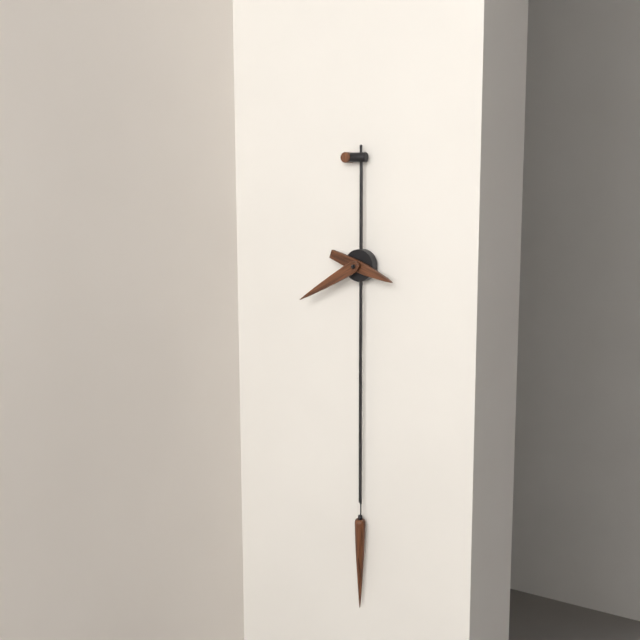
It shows 3.40
